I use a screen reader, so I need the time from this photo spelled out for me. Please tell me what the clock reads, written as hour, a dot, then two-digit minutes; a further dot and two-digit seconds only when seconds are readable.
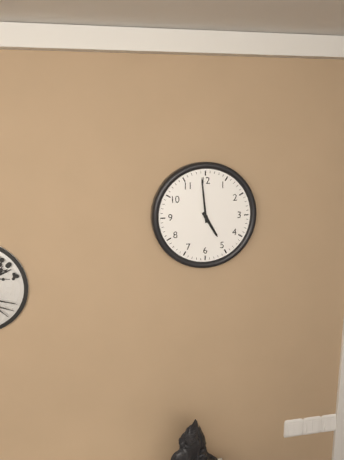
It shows 4.59
